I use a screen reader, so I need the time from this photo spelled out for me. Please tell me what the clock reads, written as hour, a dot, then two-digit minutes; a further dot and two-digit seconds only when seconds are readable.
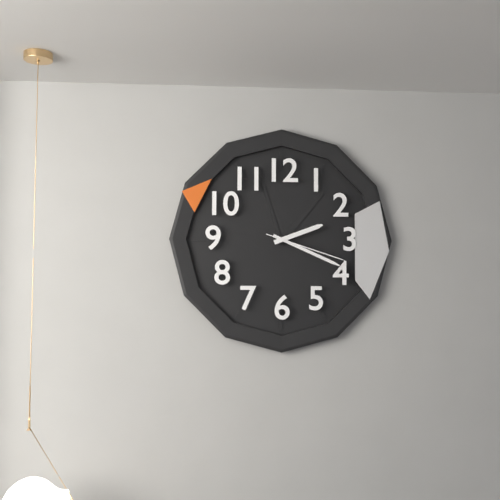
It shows 2.19.18
